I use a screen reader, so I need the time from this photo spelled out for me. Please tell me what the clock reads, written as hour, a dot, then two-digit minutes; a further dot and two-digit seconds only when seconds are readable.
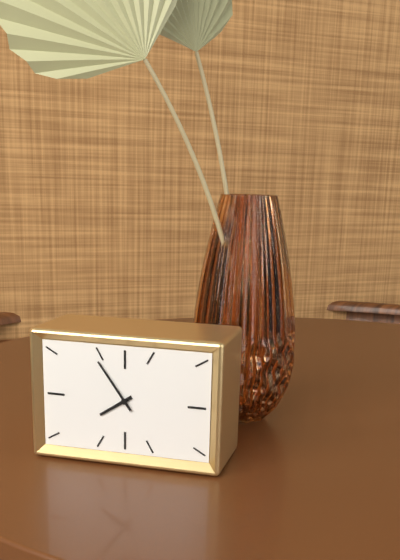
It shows 7.54
